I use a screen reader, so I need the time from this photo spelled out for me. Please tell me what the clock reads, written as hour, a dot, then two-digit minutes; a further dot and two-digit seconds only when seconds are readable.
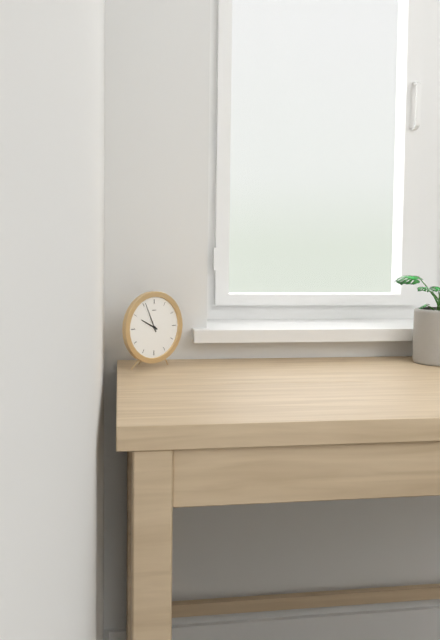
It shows 9.56
